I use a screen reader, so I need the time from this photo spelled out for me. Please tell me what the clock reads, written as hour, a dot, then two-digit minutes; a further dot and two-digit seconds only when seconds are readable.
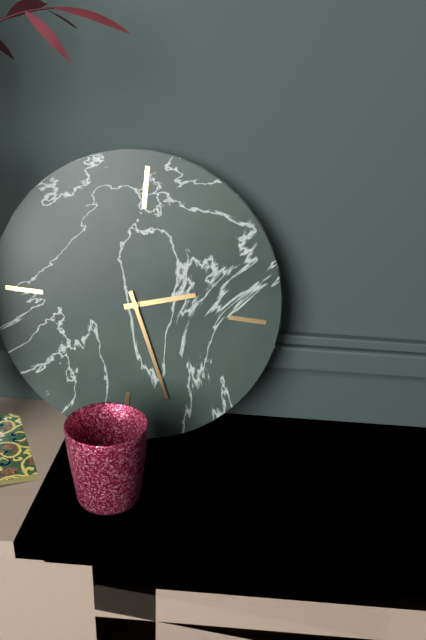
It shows 2.26
